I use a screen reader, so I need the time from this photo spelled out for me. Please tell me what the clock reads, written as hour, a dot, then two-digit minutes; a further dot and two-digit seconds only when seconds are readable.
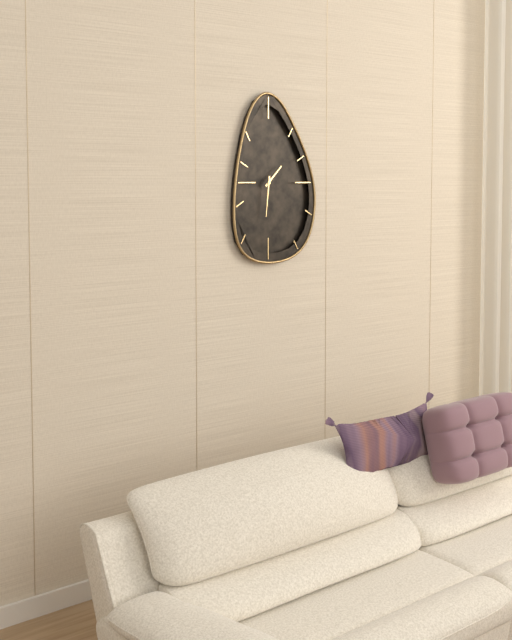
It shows 1.31
